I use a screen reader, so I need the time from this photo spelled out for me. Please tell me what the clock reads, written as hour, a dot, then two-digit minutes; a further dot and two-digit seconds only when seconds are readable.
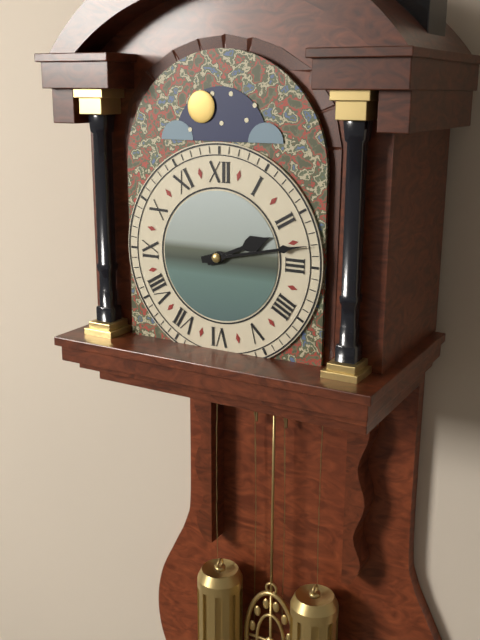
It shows 2.13
